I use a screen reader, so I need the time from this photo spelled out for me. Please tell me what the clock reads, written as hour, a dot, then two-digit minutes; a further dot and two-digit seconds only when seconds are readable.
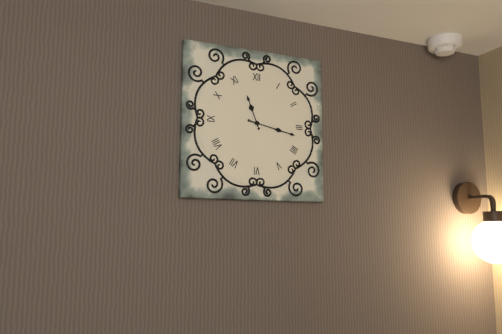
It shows 11.17
